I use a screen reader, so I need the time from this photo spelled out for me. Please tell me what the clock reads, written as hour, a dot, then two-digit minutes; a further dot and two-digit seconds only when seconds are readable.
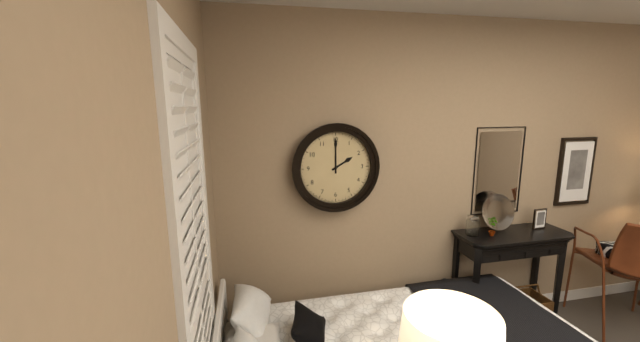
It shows 2.00
